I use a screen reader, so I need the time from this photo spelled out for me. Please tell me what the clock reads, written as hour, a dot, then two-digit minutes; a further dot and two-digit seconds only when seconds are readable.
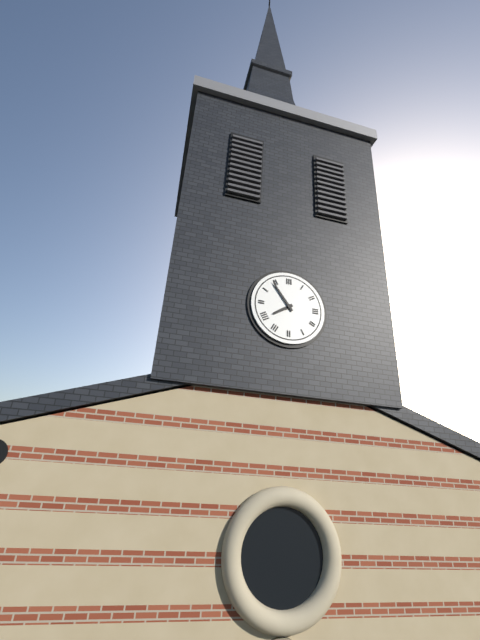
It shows 7.54
